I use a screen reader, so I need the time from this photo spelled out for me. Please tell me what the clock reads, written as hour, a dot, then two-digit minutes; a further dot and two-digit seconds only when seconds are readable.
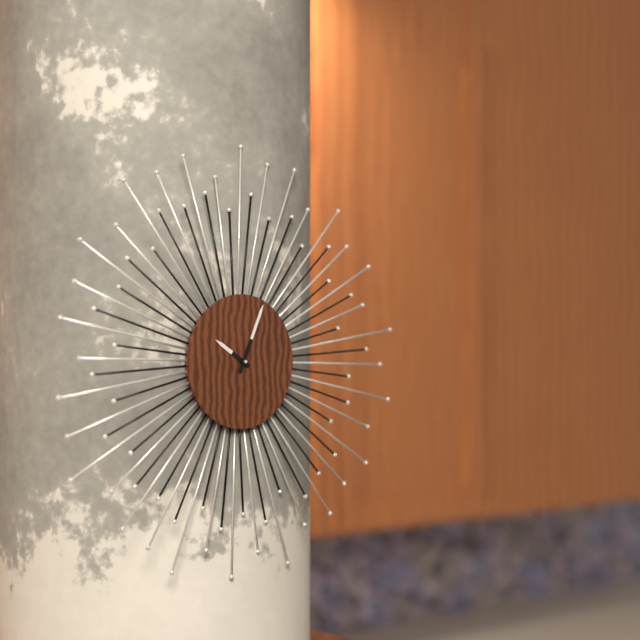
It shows 10.04
